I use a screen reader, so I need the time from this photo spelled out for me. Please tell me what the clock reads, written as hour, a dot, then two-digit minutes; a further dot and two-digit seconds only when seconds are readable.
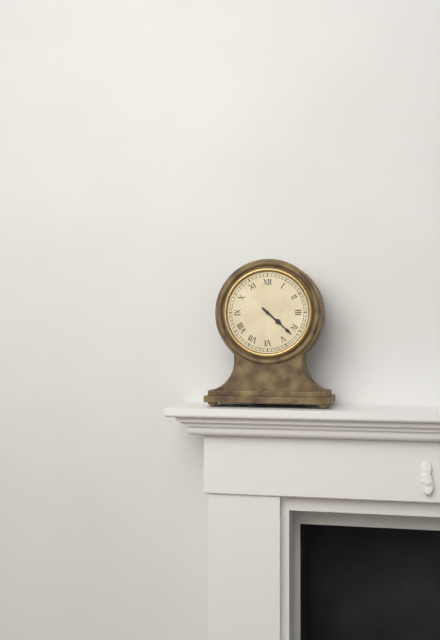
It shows 4.22
